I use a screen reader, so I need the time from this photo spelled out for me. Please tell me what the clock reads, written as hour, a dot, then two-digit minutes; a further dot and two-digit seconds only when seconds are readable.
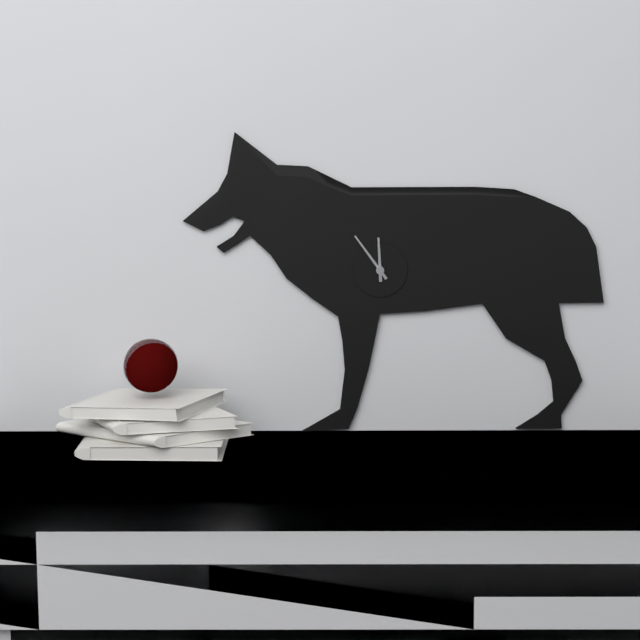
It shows 11.54
